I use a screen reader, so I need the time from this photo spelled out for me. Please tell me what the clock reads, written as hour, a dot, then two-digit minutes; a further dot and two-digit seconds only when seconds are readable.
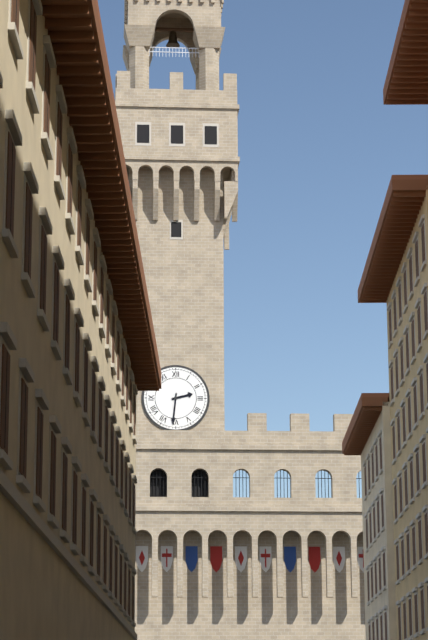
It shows 2.31
